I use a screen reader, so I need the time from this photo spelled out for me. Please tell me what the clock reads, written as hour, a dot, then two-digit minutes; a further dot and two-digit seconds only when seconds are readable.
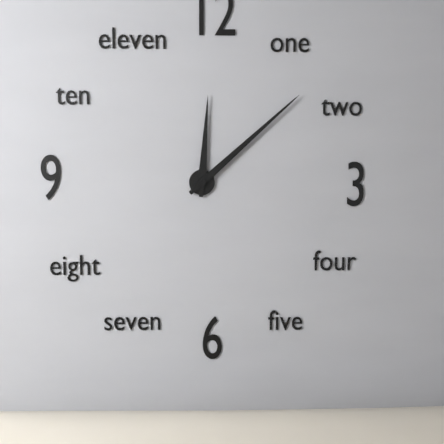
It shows 12.08
